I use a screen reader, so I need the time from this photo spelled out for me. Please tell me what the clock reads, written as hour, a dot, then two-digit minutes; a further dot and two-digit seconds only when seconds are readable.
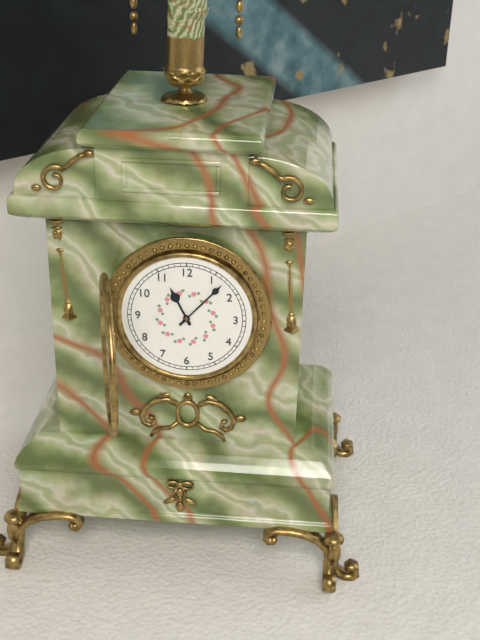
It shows 11.07
